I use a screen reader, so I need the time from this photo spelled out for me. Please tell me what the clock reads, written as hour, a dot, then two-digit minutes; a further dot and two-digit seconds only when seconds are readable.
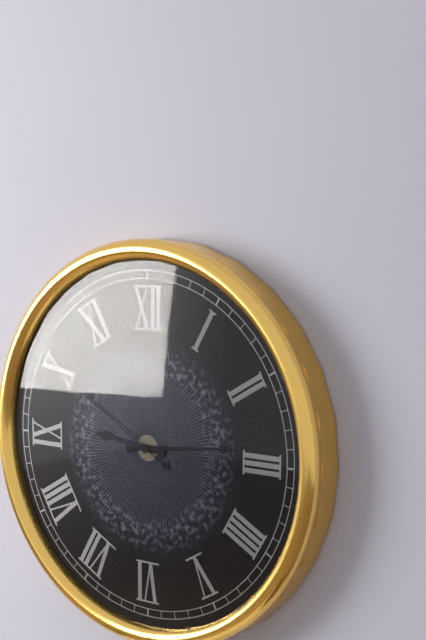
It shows 9.14.50
